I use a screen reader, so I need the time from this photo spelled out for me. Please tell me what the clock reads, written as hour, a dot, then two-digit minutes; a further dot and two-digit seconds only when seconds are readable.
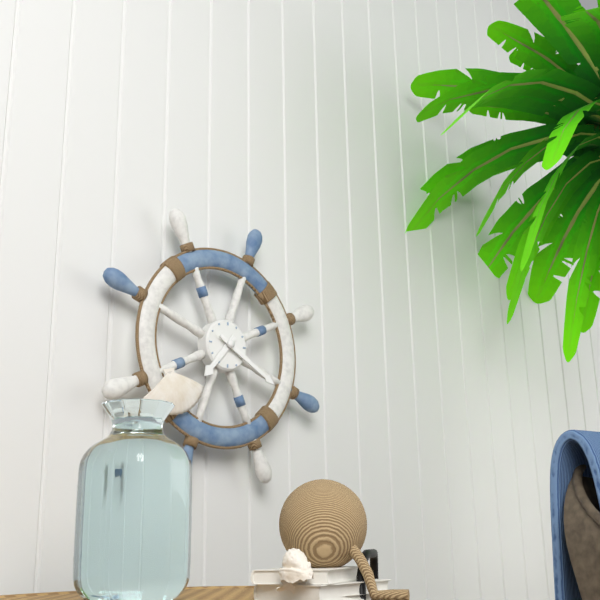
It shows 7.20
